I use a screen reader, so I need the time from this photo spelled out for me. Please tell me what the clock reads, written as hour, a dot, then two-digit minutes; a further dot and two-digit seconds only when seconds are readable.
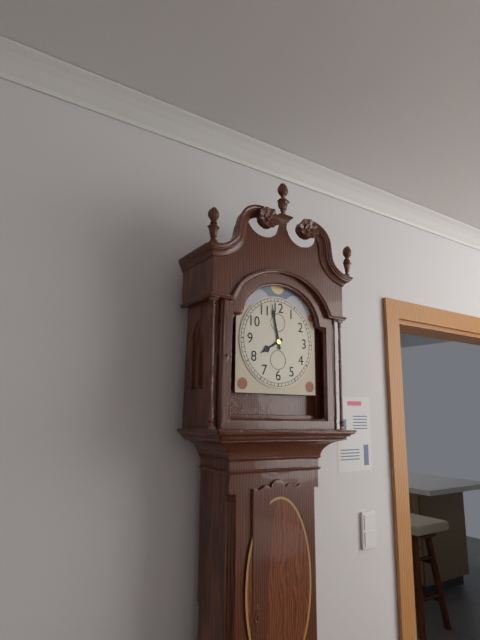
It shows 7.58
